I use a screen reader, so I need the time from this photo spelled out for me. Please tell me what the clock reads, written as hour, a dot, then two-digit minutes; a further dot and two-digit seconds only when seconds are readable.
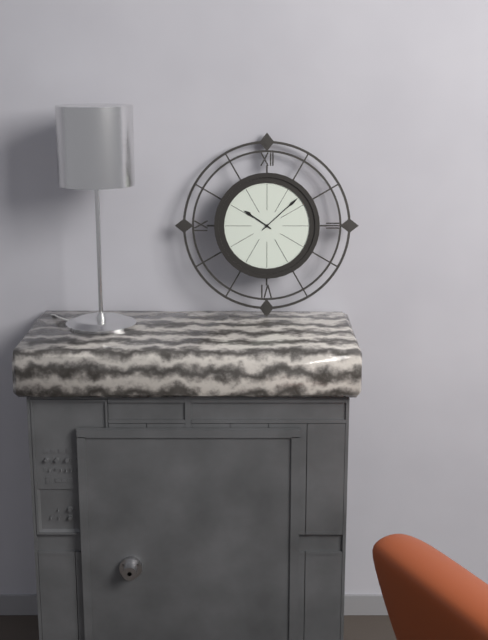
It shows 10.08
